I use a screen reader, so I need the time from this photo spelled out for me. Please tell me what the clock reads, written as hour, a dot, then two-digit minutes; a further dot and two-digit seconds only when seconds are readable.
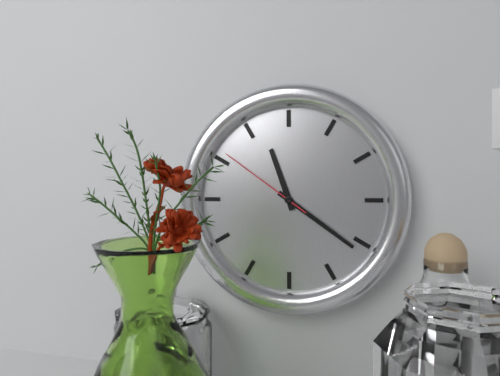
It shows 11.21.51
